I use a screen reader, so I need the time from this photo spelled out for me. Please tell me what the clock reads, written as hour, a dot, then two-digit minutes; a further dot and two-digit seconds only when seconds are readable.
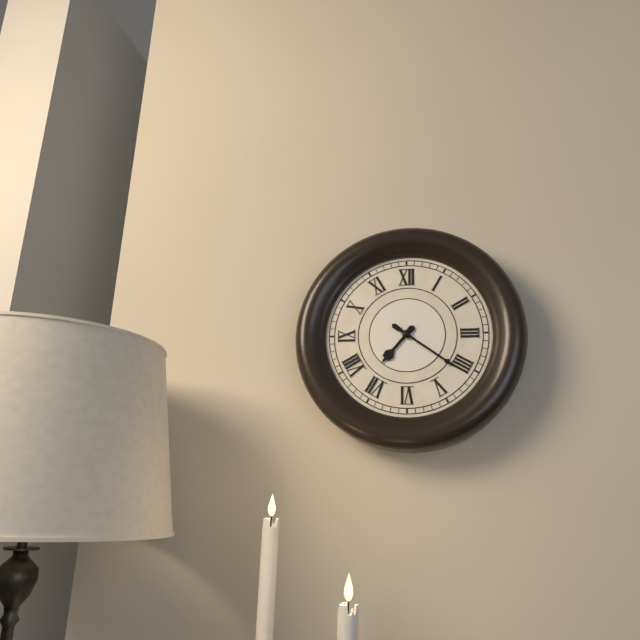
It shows 7.21
